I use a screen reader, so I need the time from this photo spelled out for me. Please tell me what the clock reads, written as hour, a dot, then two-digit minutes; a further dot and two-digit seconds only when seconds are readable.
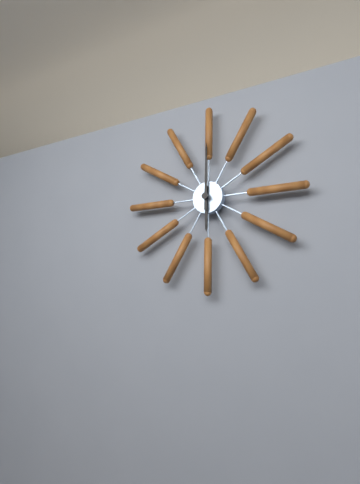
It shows 6.00
